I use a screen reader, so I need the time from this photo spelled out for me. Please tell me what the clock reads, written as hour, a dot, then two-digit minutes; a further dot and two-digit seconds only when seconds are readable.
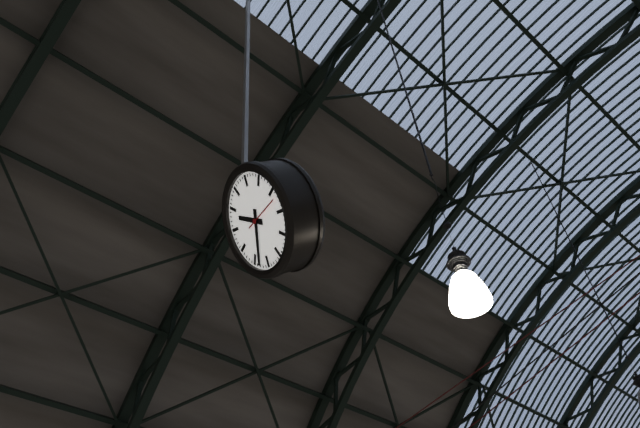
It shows 10.38
